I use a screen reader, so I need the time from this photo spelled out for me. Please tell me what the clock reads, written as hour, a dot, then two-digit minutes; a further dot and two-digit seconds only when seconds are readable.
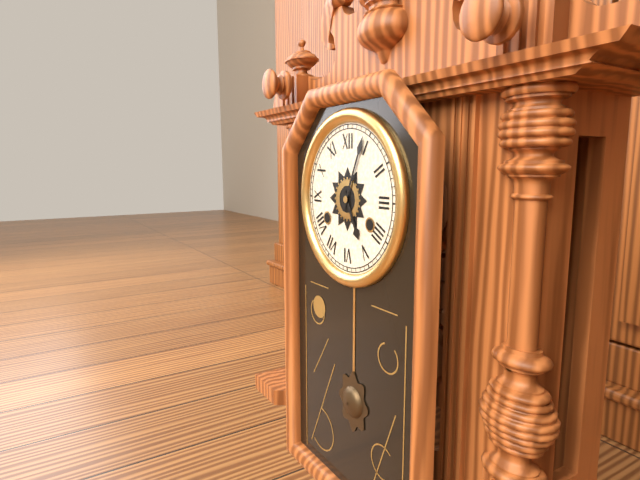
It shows 5.04
